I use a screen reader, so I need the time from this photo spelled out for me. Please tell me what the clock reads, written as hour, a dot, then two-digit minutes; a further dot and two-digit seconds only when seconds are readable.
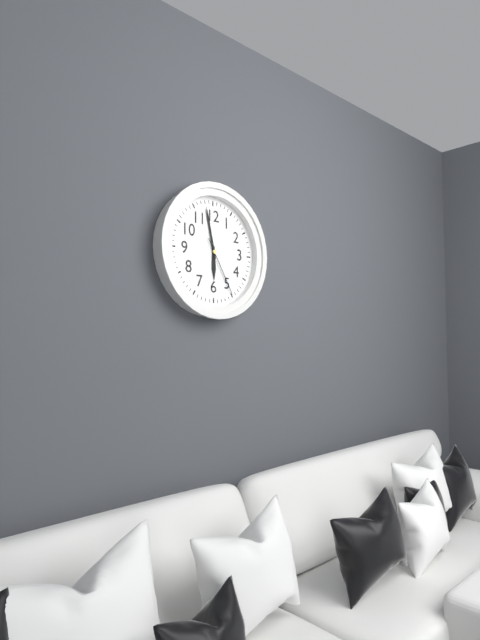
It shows 5.58.25
